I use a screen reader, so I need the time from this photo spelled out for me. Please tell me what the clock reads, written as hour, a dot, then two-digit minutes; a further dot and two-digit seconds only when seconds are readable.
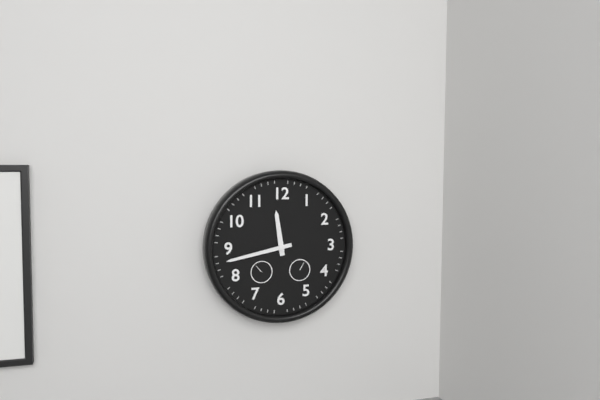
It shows 11.43
